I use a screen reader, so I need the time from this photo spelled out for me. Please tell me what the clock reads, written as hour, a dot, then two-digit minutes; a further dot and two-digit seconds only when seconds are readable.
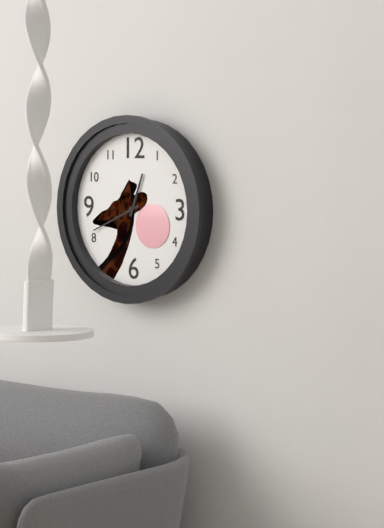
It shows 12.41
